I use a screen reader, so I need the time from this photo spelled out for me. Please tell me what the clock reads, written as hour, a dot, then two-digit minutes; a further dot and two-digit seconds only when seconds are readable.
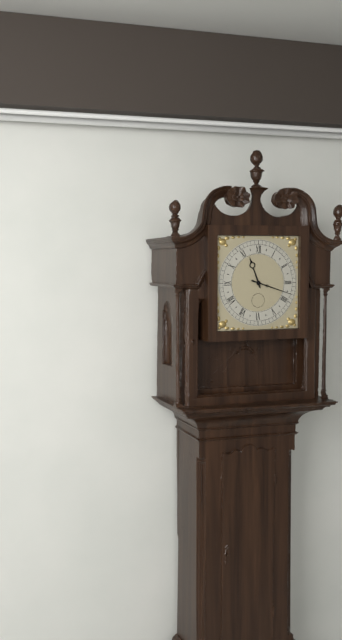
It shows 11.18
